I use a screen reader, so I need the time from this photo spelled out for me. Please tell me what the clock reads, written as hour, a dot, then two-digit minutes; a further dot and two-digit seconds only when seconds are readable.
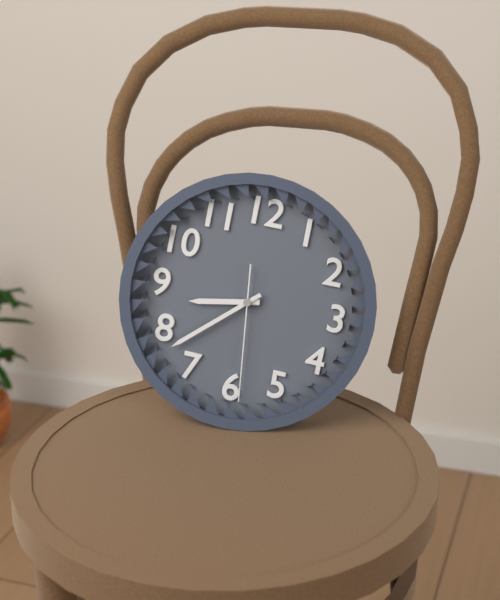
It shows 8.38.29
